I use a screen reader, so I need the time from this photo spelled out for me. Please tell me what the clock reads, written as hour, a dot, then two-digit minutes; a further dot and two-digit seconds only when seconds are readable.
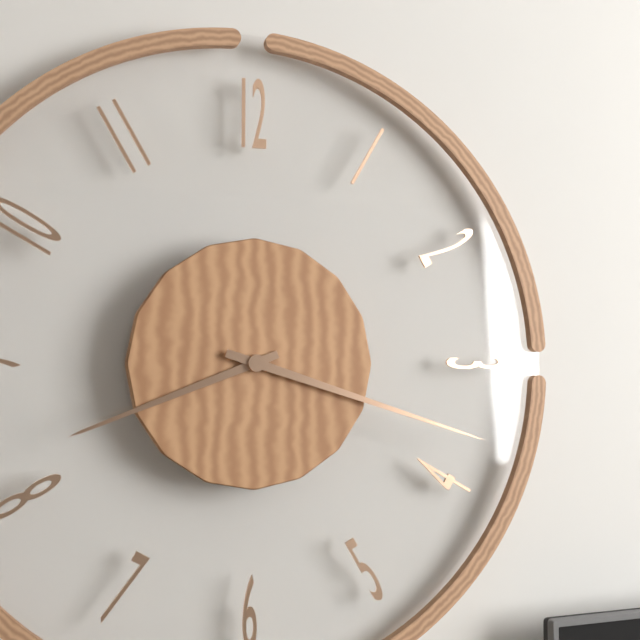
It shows 8.18
